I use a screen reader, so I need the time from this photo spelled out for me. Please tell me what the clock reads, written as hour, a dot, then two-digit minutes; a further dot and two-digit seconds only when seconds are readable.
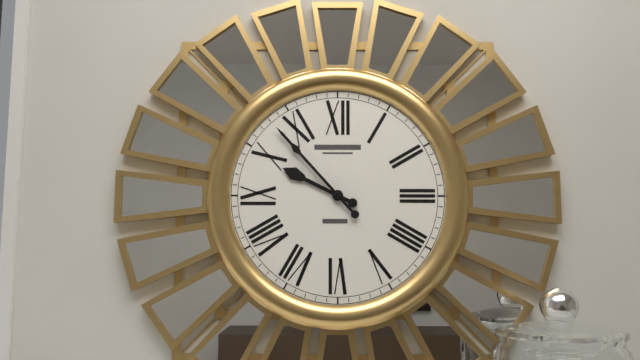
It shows 9.53
